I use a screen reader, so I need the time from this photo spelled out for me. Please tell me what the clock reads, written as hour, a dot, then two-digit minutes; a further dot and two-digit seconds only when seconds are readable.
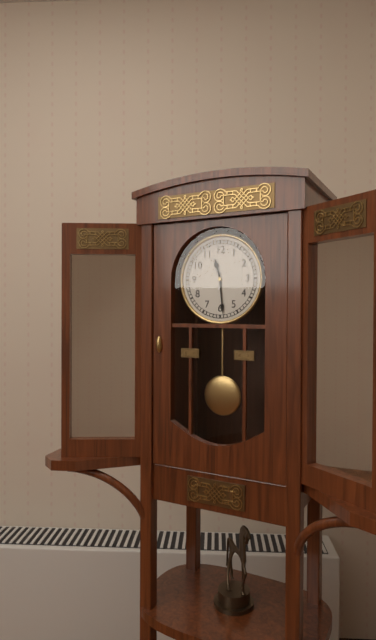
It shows 11.29
